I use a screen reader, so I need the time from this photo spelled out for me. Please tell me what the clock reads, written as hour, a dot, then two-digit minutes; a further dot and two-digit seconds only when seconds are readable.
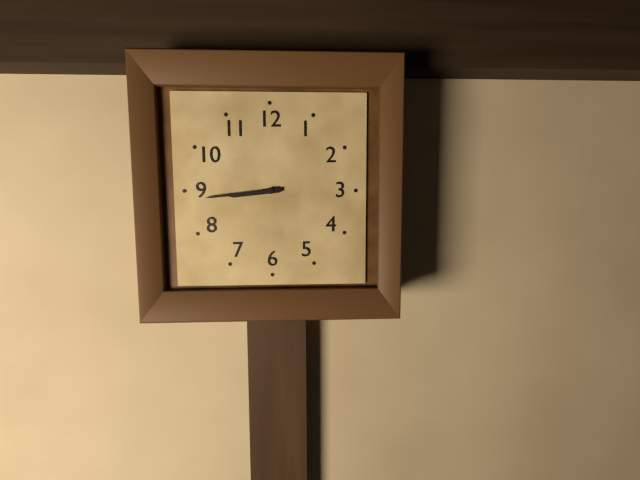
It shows 8.44
